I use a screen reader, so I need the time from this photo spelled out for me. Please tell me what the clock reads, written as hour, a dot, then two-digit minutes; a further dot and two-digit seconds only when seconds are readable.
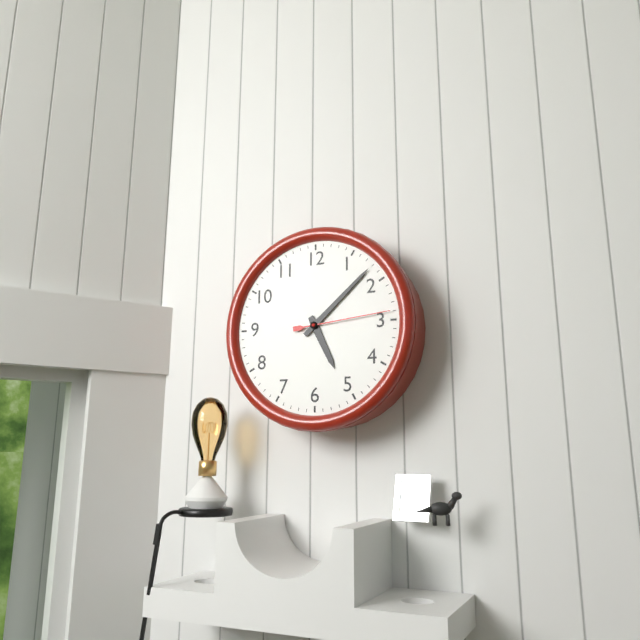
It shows 5.08.14
